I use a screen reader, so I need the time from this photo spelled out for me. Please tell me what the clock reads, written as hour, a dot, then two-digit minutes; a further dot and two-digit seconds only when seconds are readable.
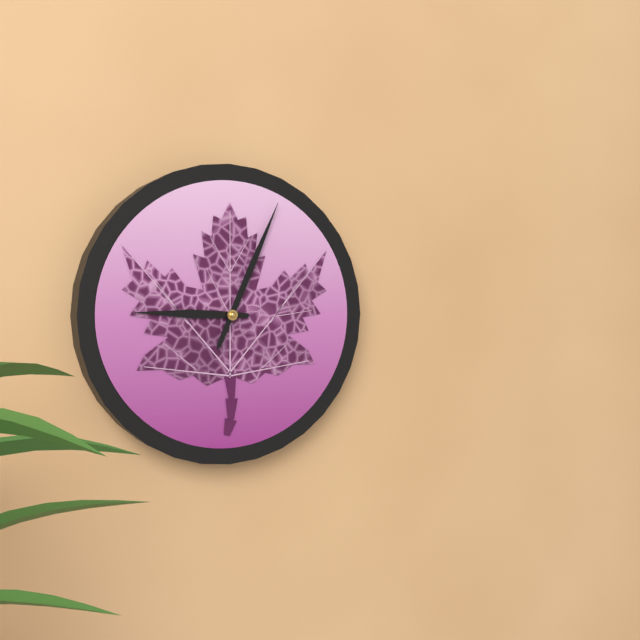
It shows 9.04
